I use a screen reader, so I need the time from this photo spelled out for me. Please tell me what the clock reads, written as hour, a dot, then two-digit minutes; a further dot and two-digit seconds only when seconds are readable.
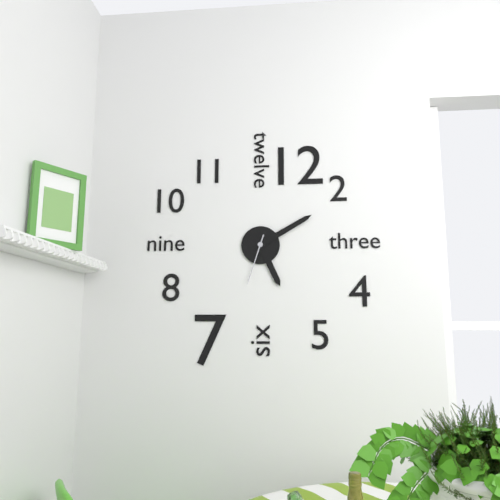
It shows 5.10.33
